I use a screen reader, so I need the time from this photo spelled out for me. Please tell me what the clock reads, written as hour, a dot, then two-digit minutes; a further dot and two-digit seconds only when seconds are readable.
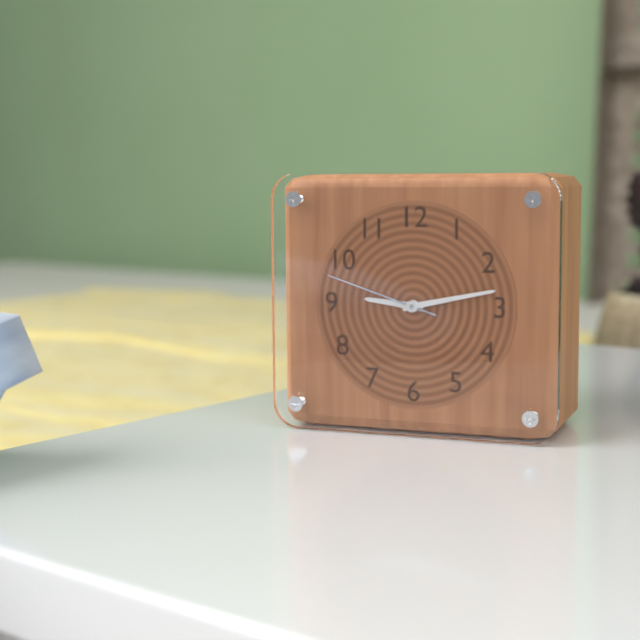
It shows 9.13.48
